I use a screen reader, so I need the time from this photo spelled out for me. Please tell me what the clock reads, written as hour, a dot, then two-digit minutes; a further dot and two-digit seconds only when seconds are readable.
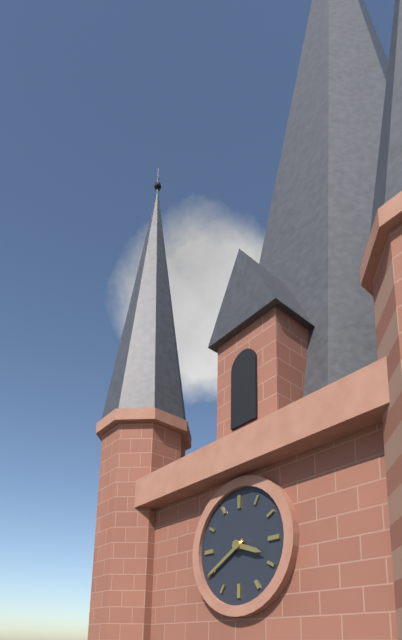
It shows 3.40
